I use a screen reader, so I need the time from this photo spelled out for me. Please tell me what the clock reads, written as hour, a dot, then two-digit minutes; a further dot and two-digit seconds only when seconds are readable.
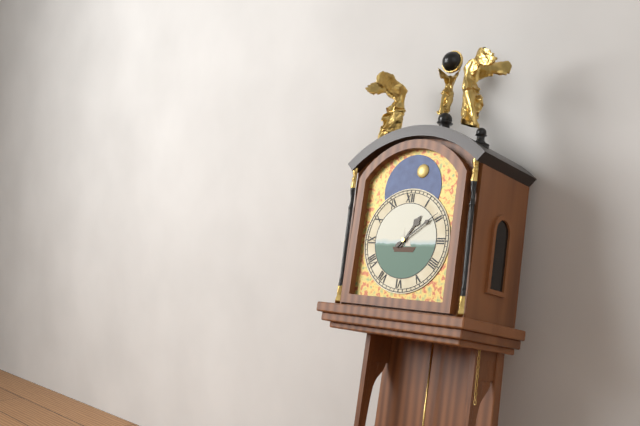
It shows 1.09
